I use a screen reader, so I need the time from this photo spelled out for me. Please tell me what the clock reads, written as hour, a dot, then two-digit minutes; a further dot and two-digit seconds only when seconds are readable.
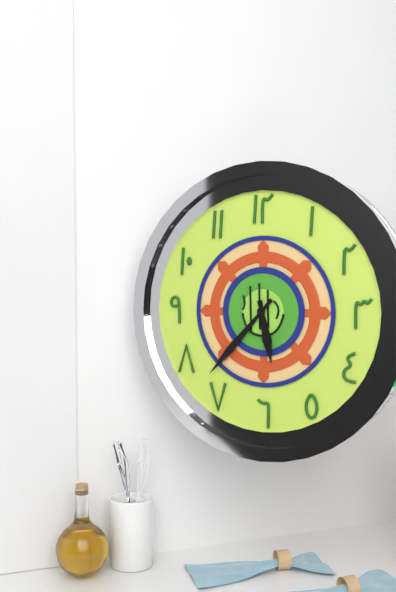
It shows 5.37
